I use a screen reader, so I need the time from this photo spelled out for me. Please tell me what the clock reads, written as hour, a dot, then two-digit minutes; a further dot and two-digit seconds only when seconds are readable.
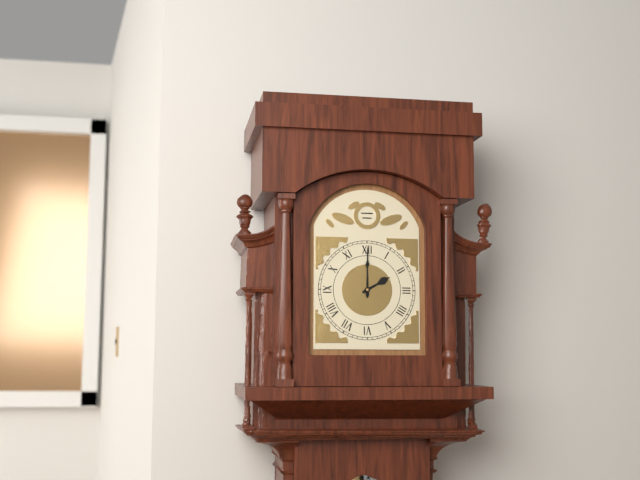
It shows 2.00
